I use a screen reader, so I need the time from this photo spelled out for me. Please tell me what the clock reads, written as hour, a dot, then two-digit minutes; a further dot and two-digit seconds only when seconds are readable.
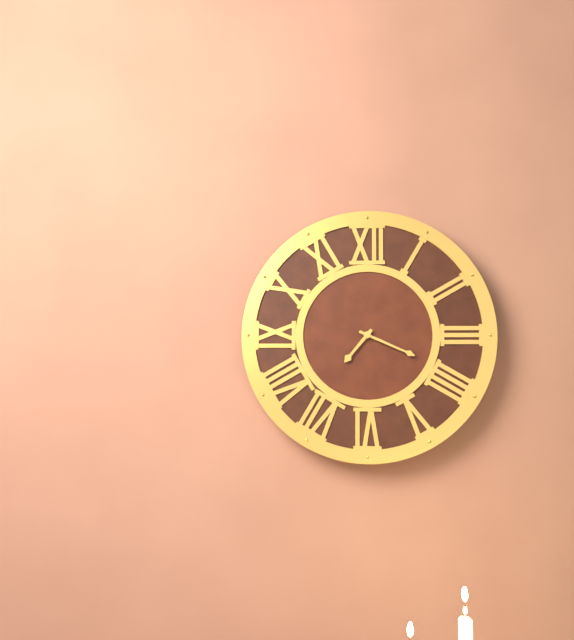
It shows 7.19
